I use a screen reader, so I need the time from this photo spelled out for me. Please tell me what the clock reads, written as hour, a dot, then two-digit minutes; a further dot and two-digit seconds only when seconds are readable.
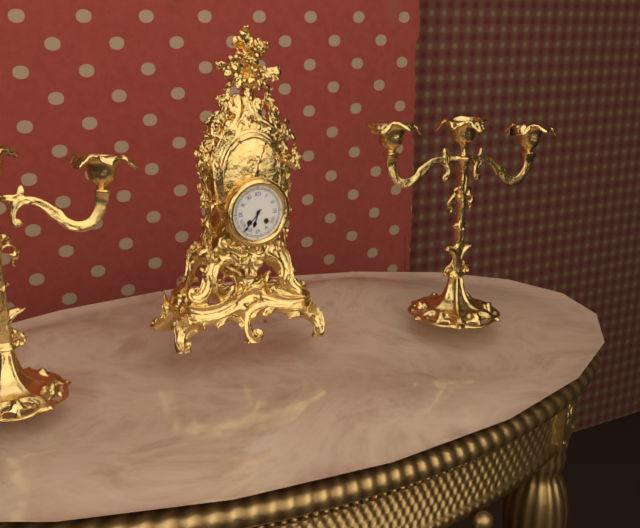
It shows 6.37
